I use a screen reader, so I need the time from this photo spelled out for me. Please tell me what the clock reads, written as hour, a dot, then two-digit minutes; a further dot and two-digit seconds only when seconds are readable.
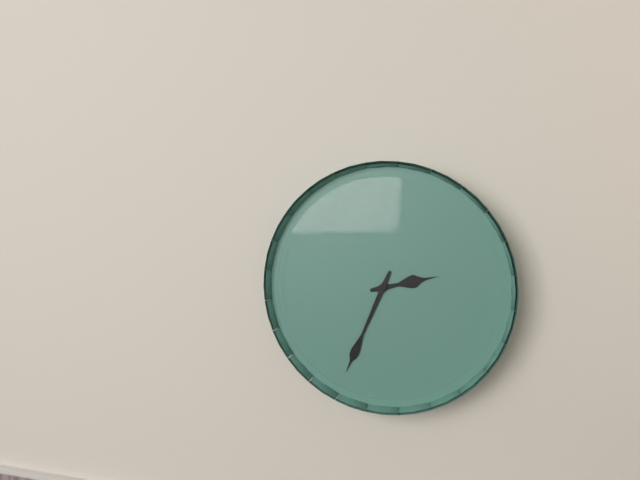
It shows 2.34
